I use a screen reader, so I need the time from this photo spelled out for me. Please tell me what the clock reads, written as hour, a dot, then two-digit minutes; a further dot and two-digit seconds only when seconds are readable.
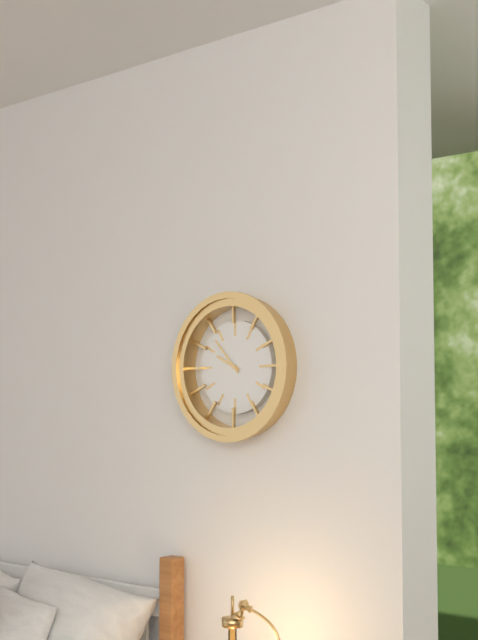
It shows 9.53
